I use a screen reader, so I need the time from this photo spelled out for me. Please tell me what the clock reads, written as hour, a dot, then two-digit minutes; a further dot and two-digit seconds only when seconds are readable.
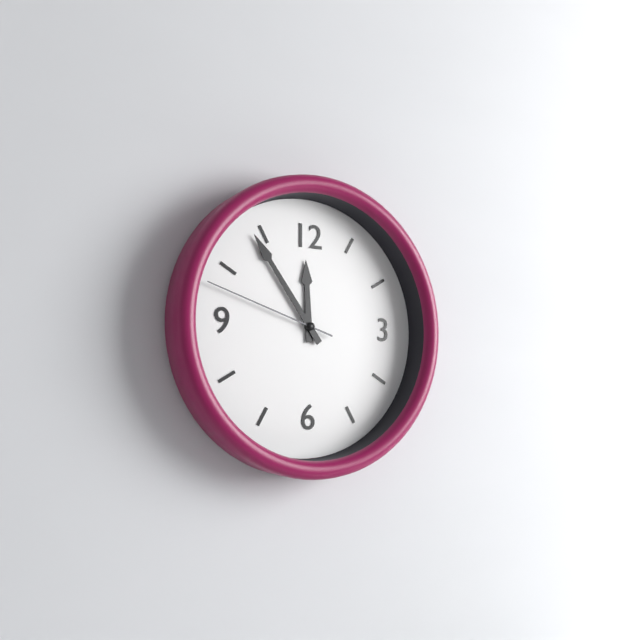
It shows 11.54.48
